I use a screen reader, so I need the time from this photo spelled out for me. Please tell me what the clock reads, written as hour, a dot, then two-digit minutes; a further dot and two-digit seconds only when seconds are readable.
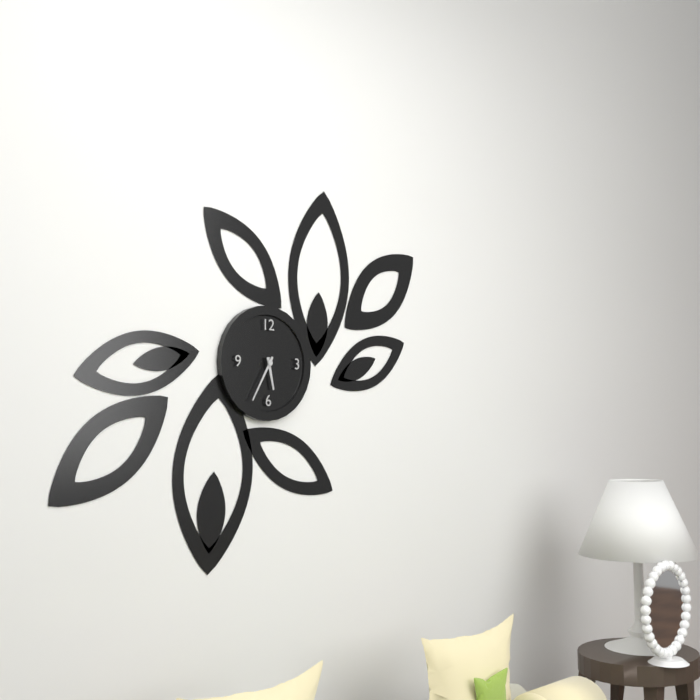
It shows 5.35
